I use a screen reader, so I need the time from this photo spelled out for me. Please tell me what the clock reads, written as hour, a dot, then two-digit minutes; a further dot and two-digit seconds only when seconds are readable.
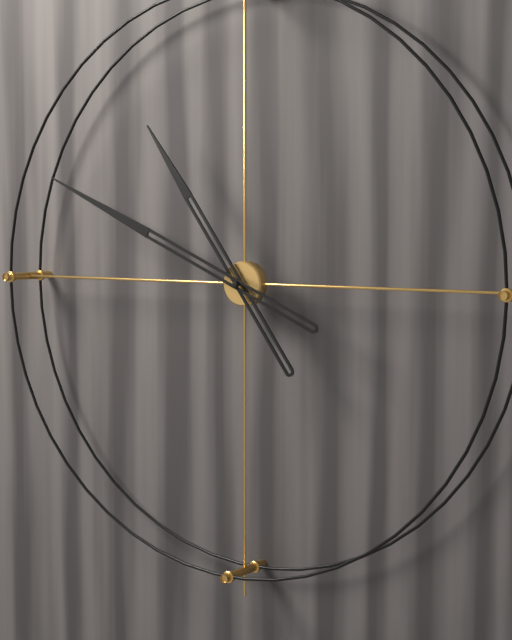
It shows 10.49
